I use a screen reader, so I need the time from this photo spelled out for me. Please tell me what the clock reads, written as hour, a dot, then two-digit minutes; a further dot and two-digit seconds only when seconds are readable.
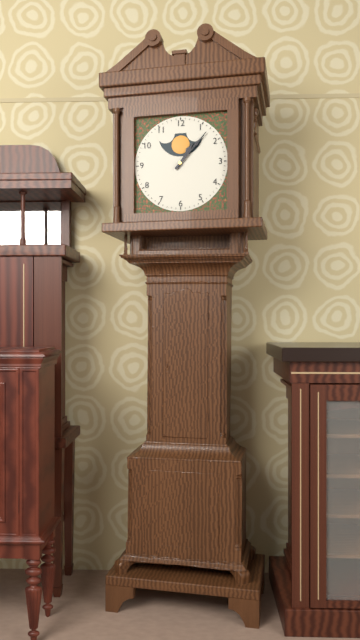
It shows 1.07
